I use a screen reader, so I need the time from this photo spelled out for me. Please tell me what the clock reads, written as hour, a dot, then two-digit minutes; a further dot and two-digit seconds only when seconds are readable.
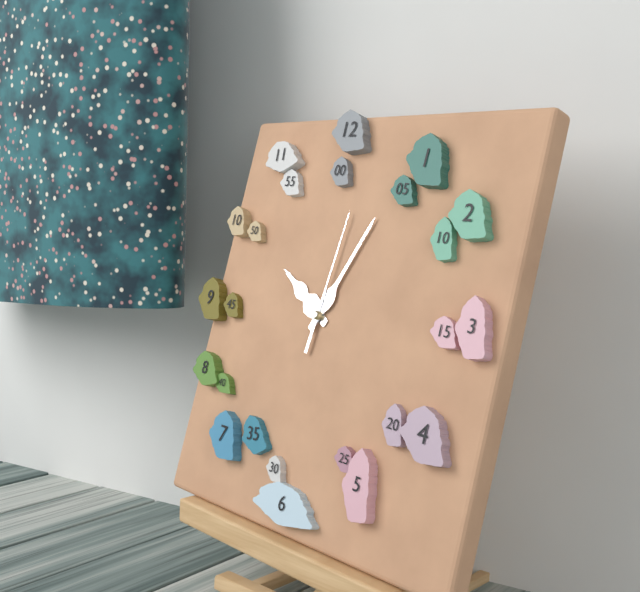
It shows 10.04.01
